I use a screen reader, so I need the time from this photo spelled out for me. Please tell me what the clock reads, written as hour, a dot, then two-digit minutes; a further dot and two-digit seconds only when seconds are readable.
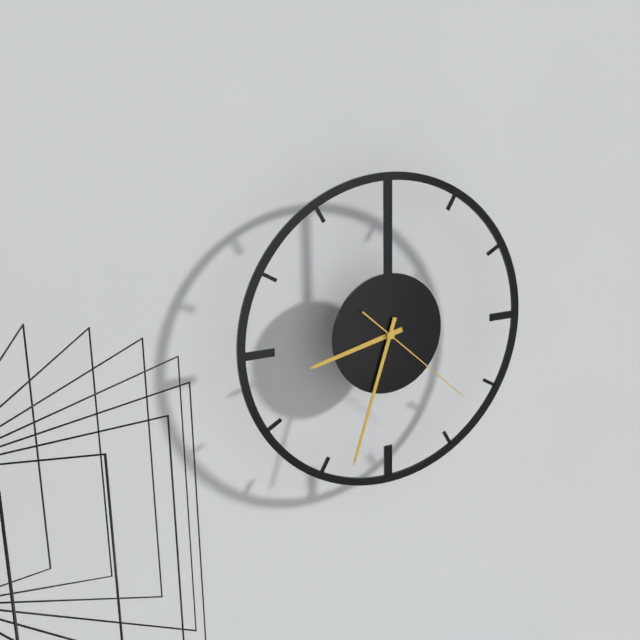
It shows 8.33.22
